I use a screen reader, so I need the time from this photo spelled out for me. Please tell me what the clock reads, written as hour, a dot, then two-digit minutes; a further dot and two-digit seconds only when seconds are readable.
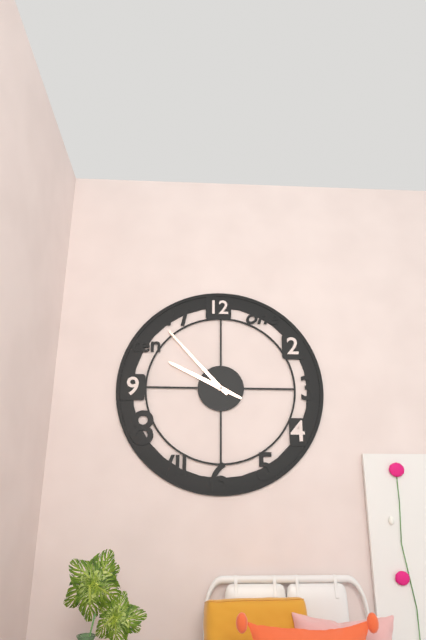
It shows 9.53
